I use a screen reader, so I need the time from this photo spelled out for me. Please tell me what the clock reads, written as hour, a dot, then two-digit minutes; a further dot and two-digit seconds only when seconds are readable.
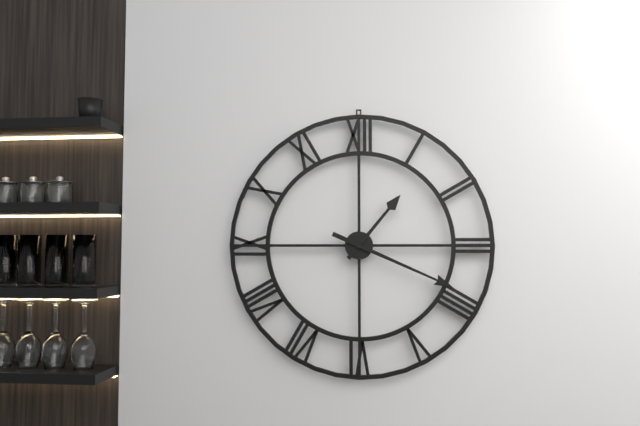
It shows 1.19
